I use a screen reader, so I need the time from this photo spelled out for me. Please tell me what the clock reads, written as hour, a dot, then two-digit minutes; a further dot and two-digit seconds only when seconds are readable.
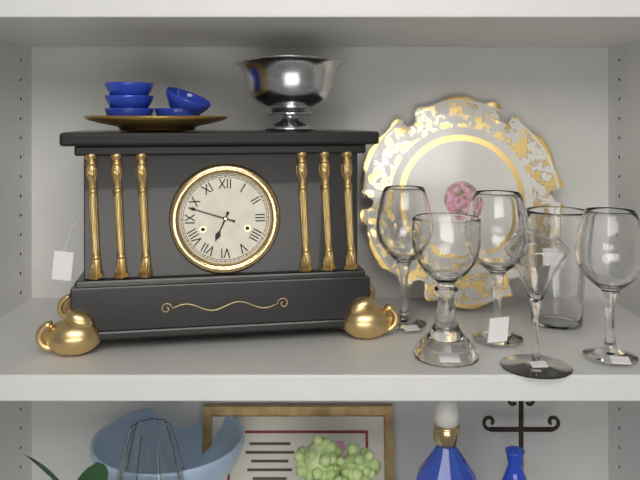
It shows 6.48
